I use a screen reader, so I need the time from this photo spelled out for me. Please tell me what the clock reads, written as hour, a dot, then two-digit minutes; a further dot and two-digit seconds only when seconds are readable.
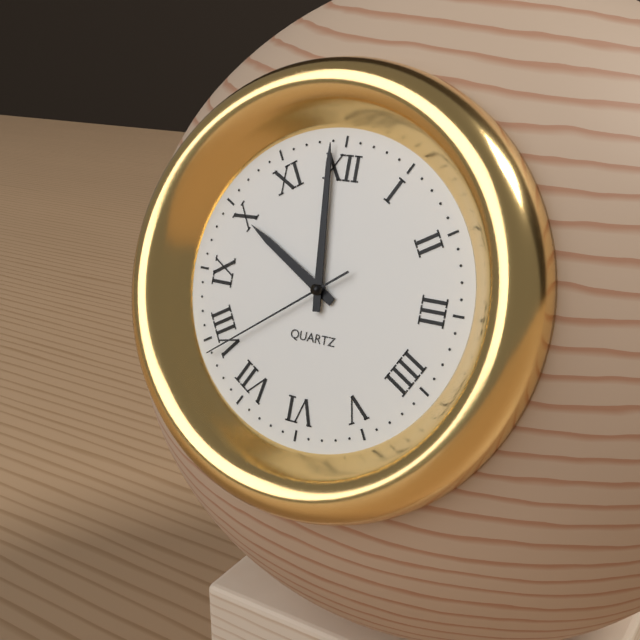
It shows 9.59.39
